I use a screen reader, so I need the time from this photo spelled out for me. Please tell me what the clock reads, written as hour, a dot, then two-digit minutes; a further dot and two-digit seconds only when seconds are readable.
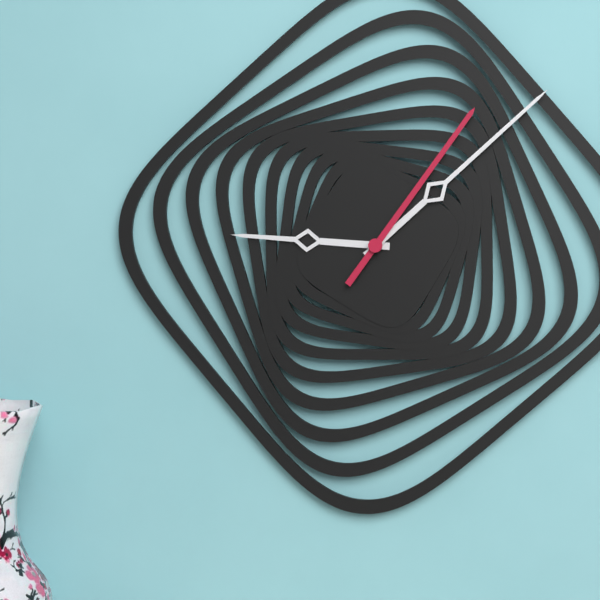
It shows 9.08.06
